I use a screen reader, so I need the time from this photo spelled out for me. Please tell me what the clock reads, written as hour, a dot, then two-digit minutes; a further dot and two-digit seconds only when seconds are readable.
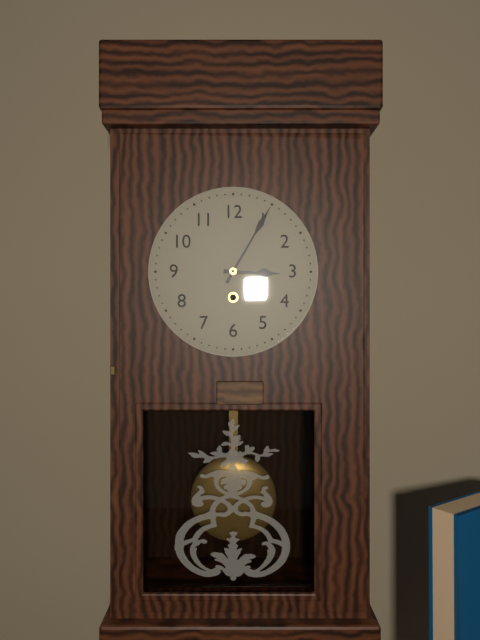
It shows 3.05
